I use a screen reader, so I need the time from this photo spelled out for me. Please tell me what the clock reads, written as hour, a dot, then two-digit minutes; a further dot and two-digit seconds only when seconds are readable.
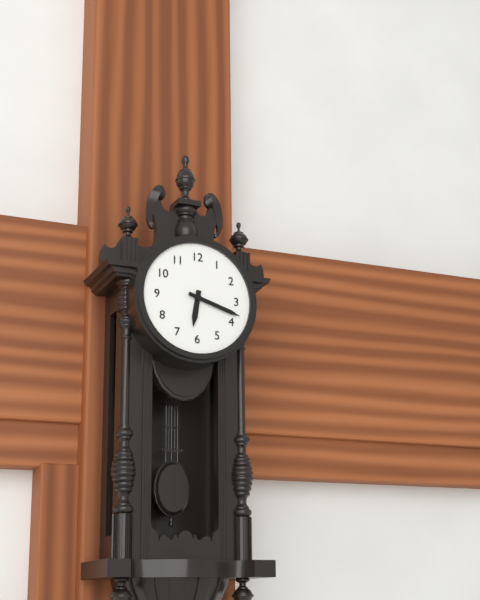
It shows 6.18
